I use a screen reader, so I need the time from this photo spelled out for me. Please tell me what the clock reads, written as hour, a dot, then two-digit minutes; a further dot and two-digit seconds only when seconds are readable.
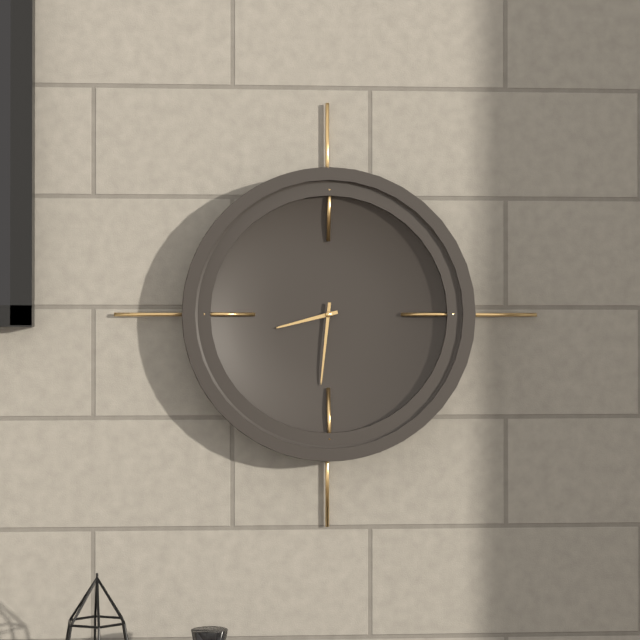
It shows 8.31
